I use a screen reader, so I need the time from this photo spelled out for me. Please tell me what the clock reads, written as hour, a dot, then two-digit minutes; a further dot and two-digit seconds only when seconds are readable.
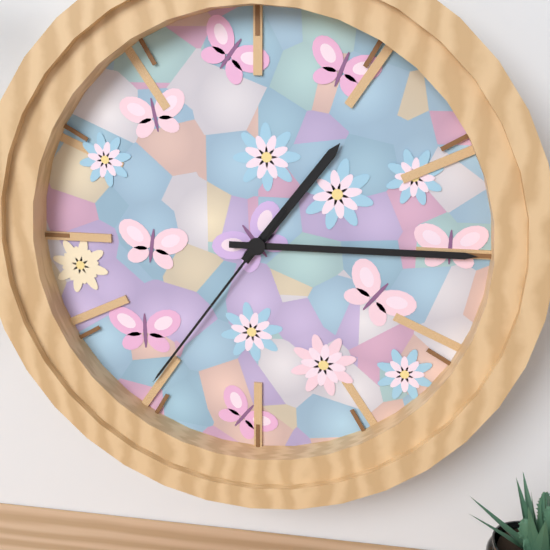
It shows 1.15.36
